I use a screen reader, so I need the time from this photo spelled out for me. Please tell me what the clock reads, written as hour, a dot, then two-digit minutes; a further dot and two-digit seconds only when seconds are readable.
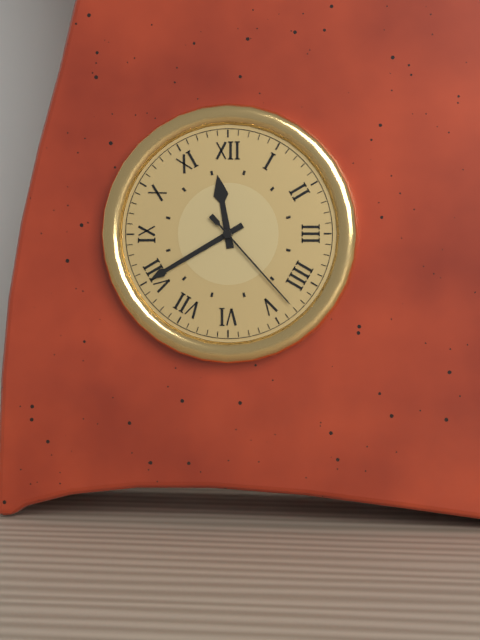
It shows 11.40.23
